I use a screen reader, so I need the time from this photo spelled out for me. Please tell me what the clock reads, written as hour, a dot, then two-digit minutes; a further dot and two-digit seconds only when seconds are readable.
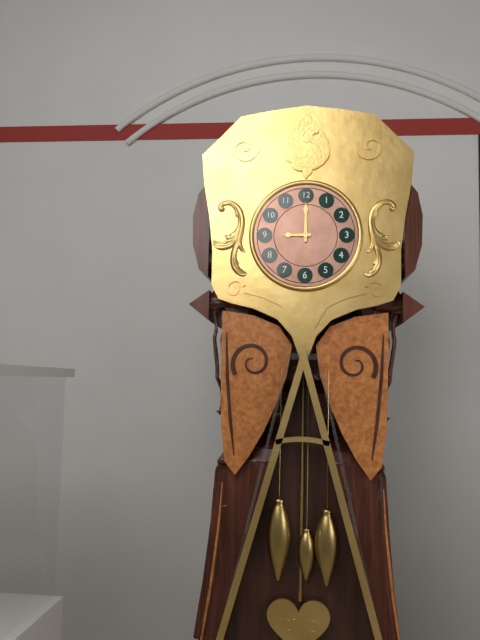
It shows 9.00
